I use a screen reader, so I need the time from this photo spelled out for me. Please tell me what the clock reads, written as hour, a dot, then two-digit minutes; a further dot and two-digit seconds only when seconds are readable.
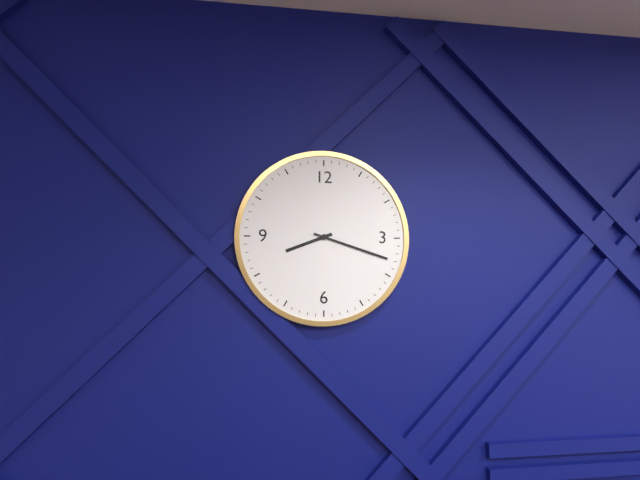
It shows 8.18
